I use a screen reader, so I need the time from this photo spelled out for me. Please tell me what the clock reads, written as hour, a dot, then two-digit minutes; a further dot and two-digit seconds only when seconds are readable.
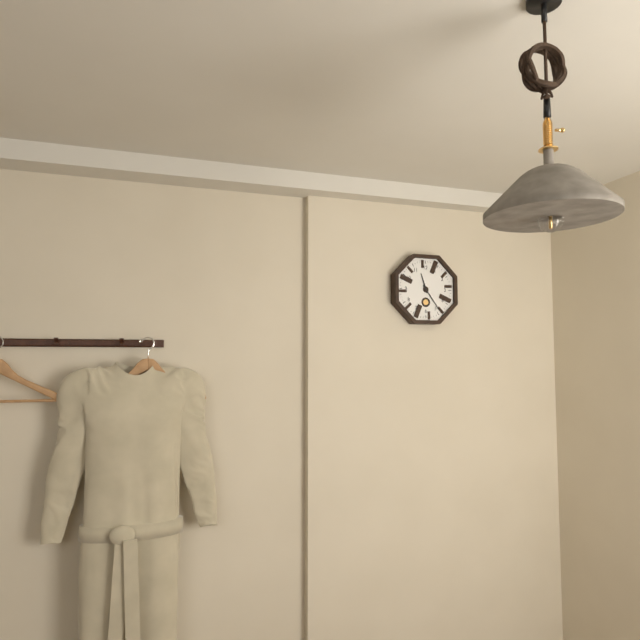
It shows 11.24
